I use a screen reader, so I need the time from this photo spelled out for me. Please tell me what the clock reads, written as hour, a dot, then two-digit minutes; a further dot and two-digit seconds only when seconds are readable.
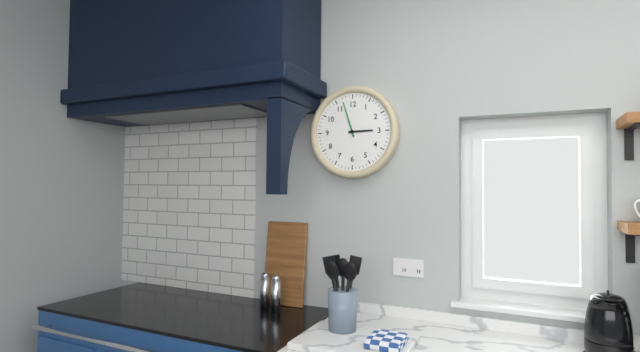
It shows 2.57
